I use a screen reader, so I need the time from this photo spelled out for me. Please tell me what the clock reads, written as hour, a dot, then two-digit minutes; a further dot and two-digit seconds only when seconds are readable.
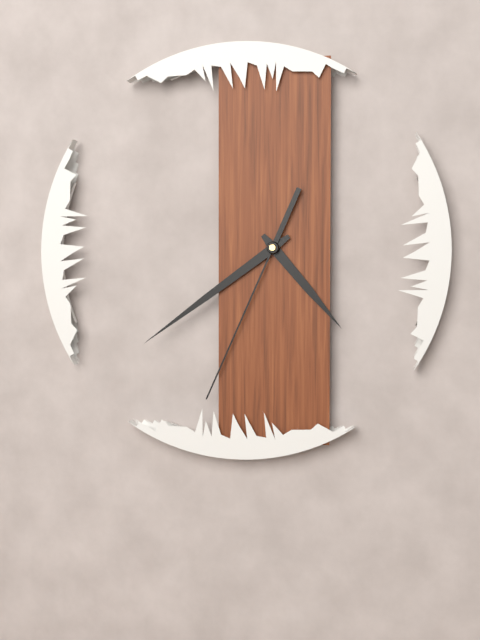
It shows 4.39.34
